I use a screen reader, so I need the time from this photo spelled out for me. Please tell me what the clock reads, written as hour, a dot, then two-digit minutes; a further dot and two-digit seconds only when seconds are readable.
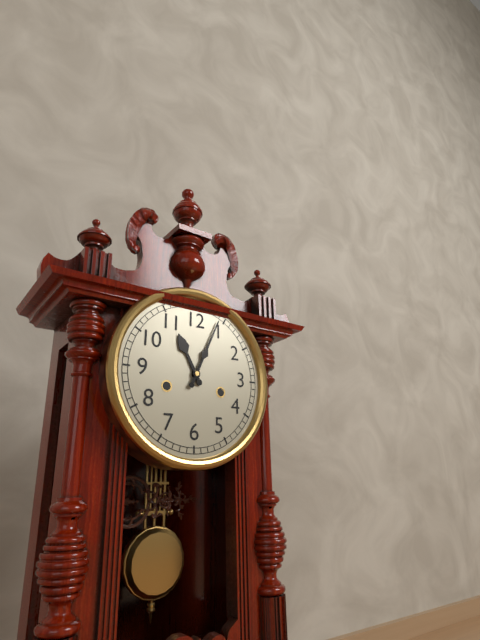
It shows 11.04
